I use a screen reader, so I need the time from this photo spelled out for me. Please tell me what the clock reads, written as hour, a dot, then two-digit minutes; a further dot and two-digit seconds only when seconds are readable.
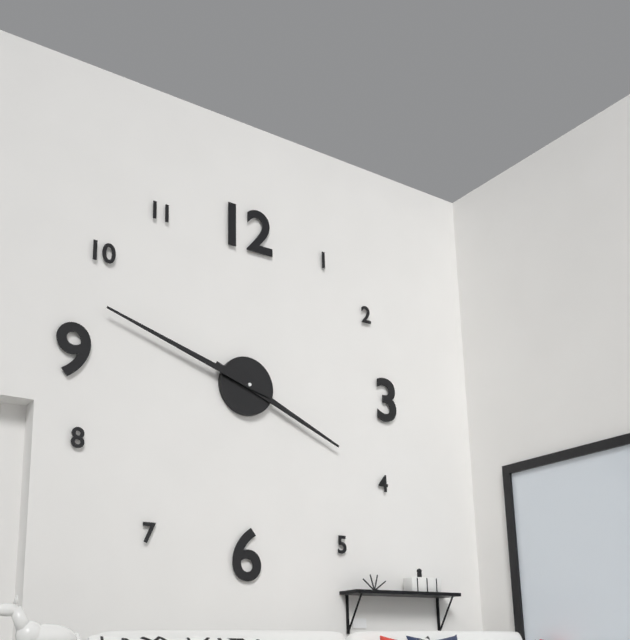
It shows 3.48
